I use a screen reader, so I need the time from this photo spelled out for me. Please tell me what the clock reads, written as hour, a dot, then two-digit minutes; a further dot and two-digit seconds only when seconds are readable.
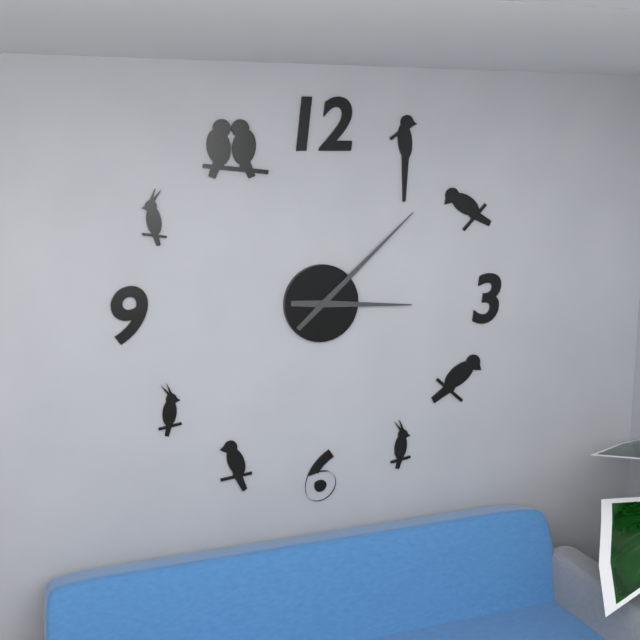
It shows 3.08
